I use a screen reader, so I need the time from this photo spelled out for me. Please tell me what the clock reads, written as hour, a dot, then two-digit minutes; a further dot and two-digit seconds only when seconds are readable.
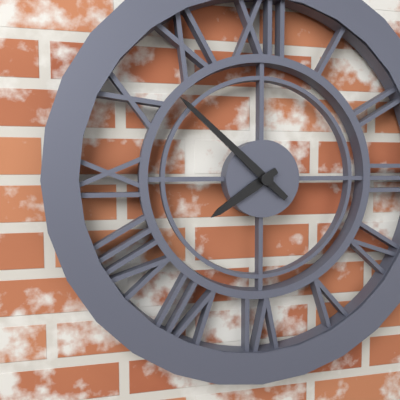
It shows 7.52
